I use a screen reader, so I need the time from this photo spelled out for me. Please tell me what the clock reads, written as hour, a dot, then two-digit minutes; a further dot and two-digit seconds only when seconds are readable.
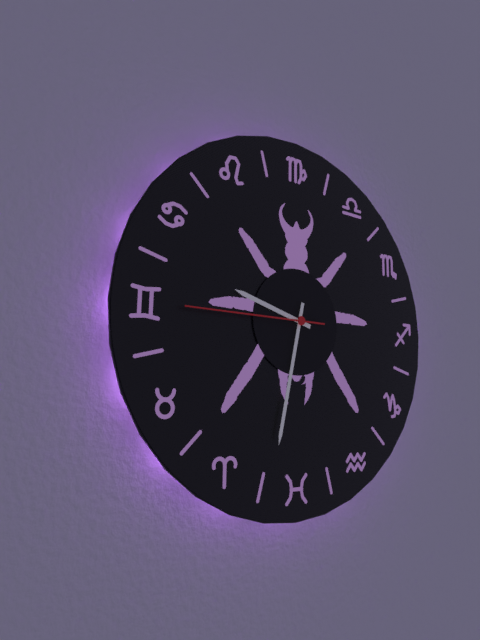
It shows 9.32.45
